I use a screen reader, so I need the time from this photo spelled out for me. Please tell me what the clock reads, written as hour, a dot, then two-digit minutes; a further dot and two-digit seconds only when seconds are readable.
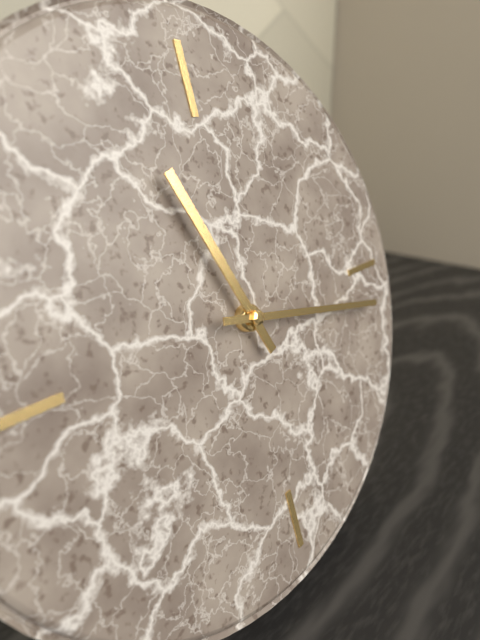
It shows 11.17
